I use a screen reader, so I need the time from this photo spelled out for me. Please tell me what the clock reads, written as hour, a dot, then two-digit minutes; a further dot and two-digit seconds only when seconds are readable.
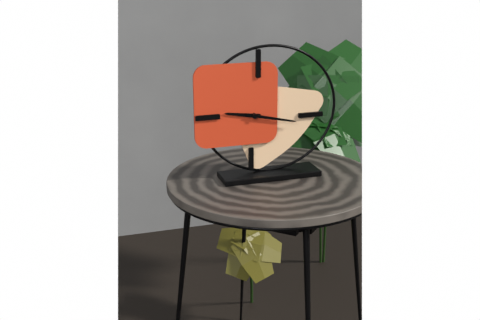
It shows 9.17
